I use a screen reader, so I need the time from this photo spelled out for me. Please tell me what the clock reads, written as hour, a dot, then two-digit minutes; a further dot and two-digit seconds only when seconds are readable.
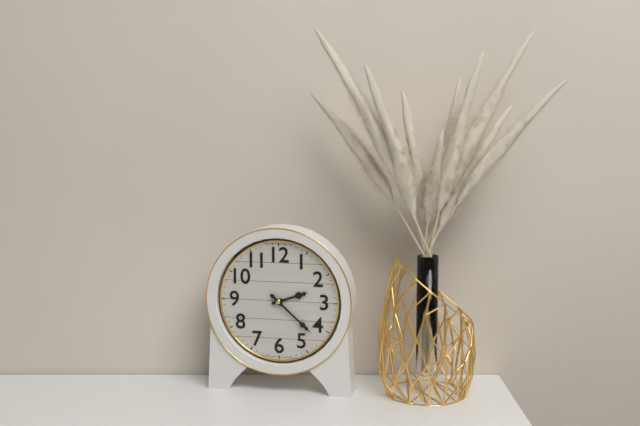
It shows 2.22
